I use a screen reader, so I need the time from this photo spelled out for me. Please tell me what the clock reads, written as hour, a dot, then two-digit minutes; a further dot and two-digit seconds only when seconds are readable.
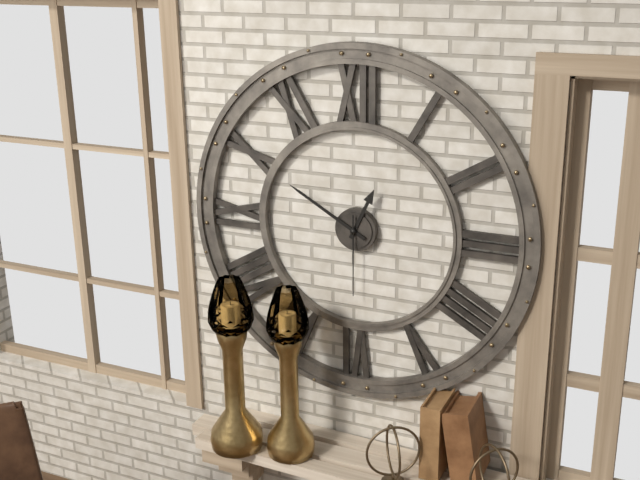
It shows 12.50.30
